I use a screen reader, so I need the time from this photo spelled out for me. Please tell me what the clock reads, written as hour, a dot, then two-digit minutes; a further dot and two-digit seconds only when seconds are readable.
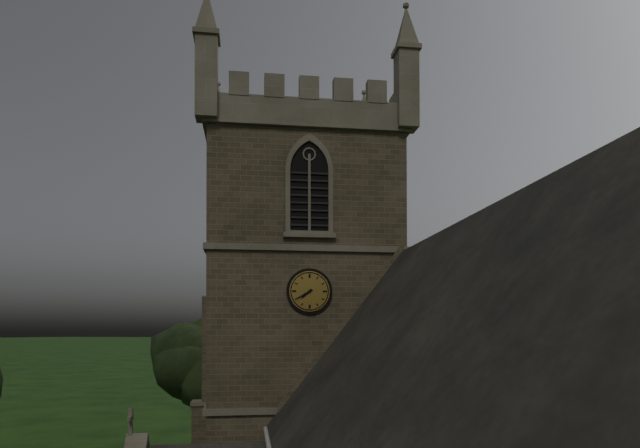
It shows 7.40
